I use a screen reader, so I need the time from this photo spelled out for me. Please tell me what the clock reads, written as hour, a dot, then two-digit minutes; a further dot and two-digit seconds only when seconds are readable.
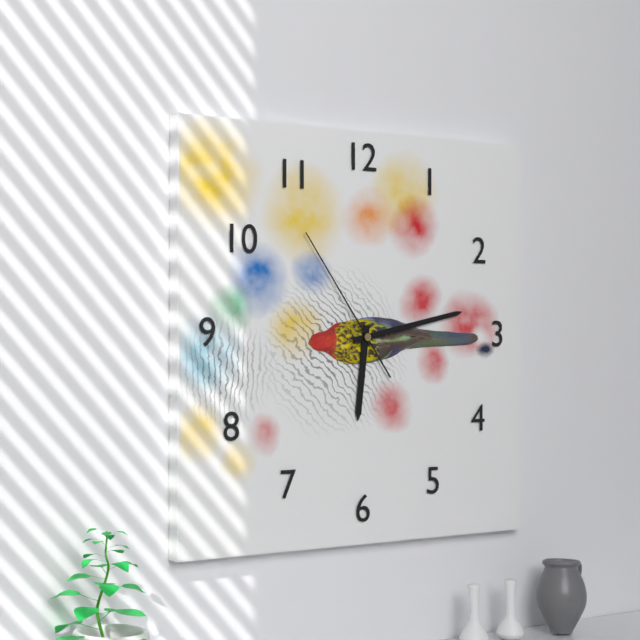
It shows 6.13.54
